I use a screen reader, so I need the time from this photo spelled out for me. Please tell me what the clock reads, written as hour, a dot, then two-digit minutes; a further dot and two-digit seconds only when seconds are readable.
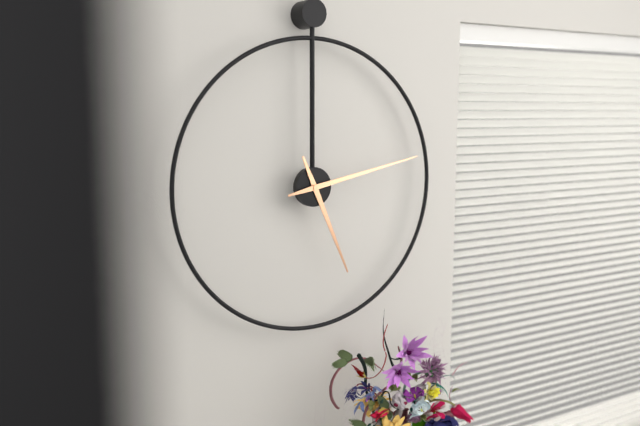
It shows 5.13
